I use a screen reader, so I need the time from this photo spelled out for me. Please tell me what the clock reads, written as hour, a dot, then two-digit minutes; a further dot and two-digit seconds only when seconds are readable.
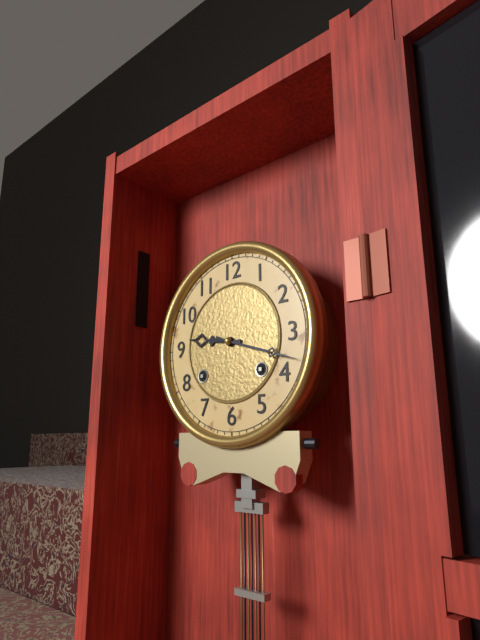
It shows 9.18
